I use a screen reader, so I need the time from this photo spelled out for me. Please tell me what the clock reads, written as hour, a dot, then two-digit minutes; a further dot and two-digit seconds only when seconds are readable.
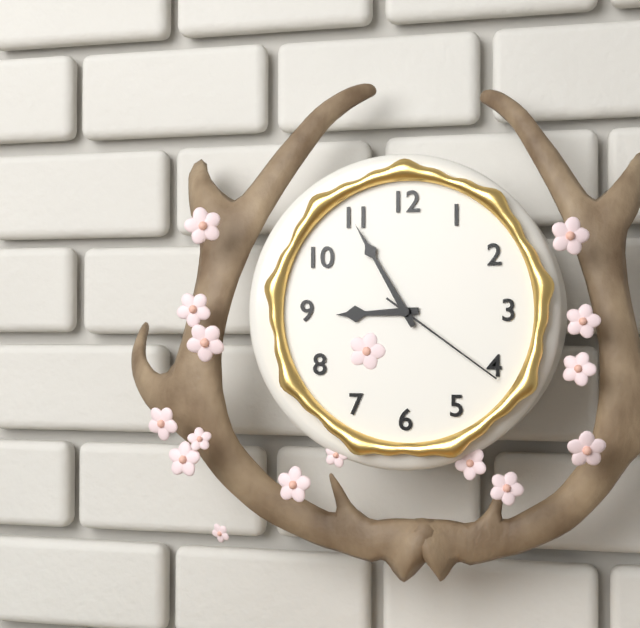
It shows 8.55.21
